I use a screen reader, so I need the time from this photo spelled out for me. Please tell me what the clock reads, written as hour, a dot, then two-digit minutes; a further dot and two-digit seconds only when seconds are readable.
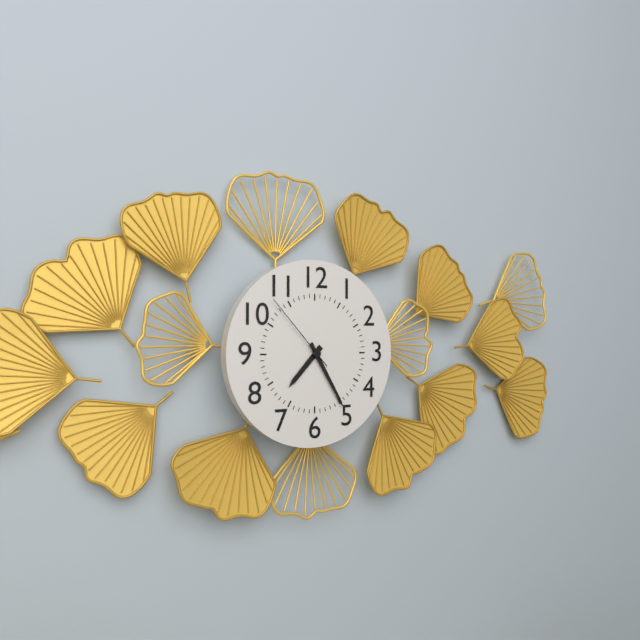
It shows 7.25.53
